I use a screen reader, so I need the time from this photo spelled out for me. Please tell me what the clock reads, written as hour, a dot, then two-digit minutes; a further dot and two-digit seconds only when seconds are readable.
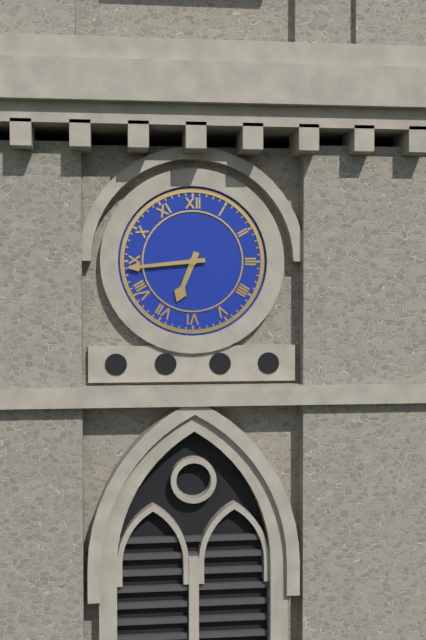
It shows 6.44
